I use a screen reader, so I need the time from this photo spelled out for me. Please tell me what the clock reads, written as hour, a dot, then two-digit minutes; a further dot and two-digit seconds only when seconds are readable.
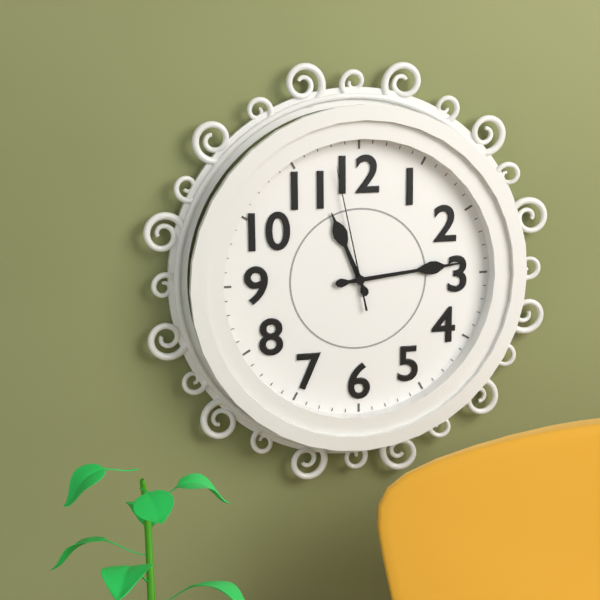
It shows 11.14.58
